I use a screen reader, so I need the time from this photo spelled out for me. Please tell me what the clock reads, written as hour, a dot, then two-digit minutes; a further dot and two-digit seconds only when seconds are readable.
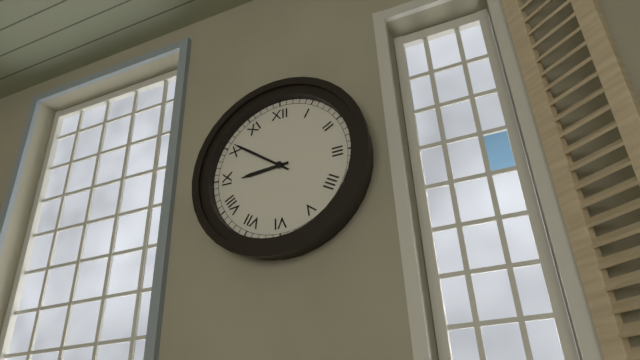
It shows 8.51
